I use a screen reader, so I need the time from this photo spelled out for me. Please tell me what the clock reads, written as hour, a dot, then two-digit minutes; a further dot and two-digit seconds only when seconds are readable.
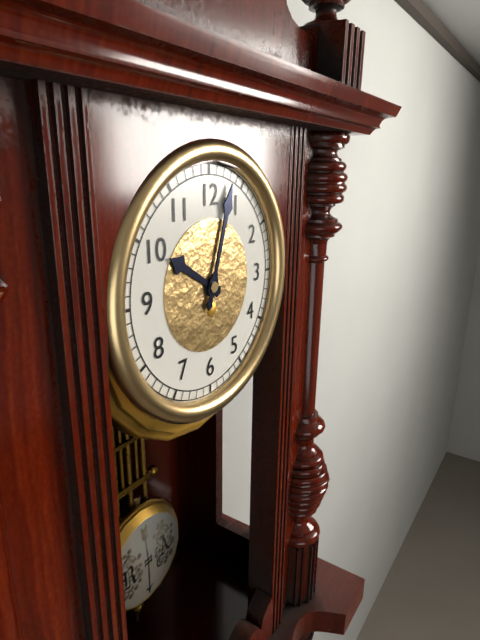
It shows 10.03
